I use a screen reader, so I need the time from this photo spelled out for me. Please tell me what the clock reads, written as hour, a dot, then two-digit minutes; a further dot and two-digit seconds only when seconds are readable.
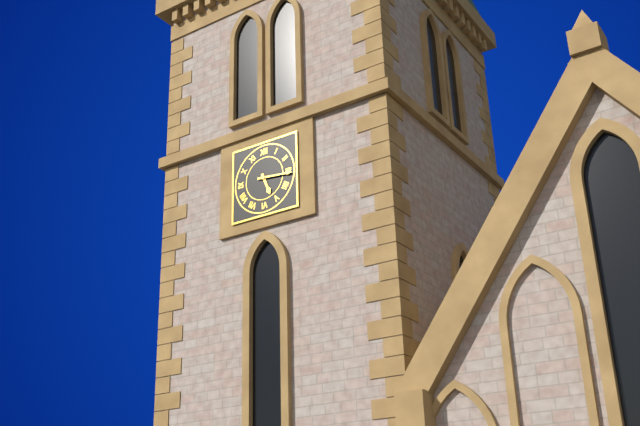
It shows 5.16
